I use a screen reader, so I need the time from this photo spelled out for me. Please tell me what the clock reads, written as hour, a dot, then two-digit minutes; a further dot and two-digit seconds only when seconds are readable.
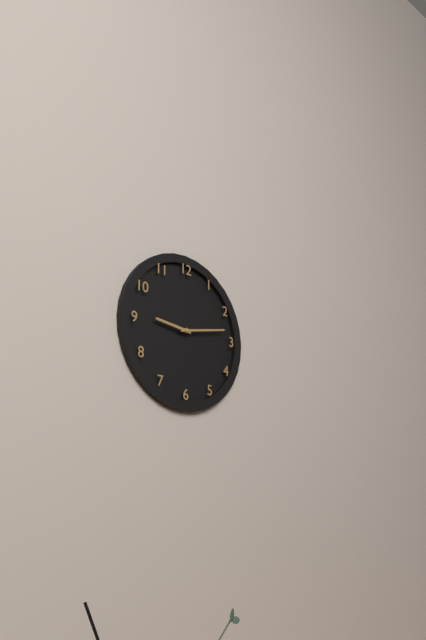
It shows 9.13
